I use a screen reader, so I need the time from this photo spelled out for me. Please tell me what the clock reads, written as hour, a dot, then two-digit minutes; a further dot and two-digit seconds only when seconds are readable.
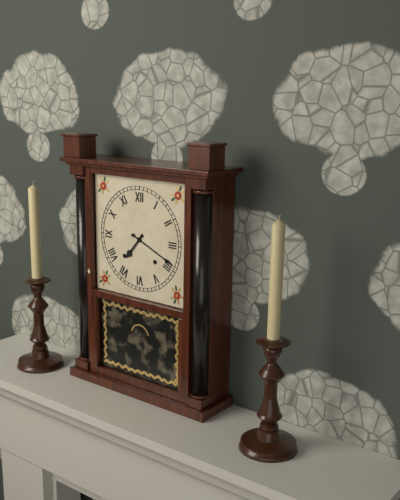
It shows 7.19
